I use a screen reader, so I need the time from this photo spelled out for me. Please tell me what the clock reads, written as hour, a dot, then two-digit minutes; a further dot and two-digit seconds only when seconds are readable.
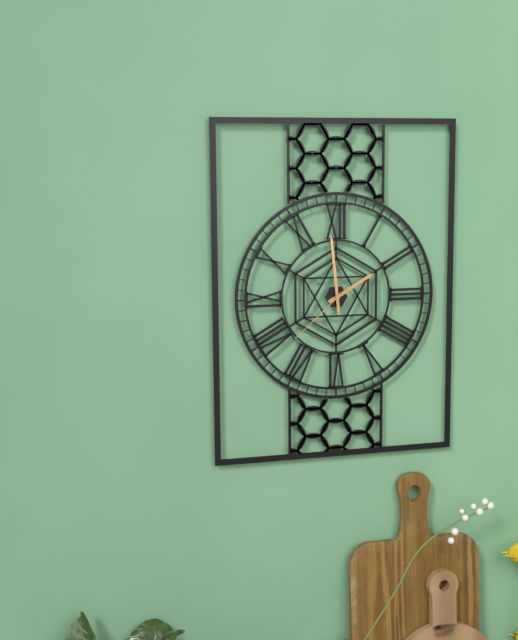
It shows 1.59.38
